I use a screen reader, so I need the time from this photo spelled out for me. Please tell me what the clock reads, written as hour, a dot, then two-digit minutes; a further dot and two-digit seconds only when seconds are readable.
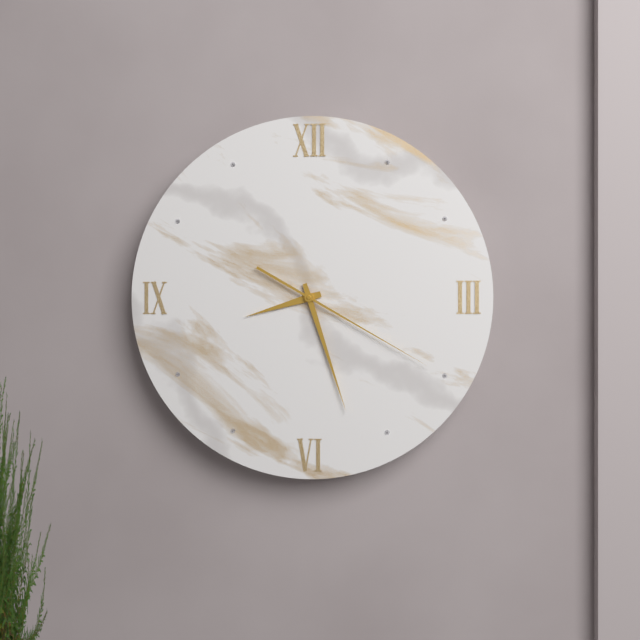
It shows 8.27.20
